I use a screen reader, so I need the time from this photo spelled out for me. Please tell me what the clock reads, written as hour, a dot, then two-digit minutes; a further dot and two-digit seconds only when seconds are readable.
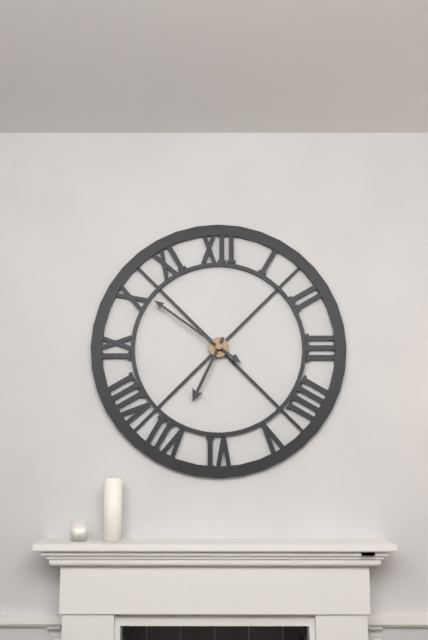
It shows 6.51
